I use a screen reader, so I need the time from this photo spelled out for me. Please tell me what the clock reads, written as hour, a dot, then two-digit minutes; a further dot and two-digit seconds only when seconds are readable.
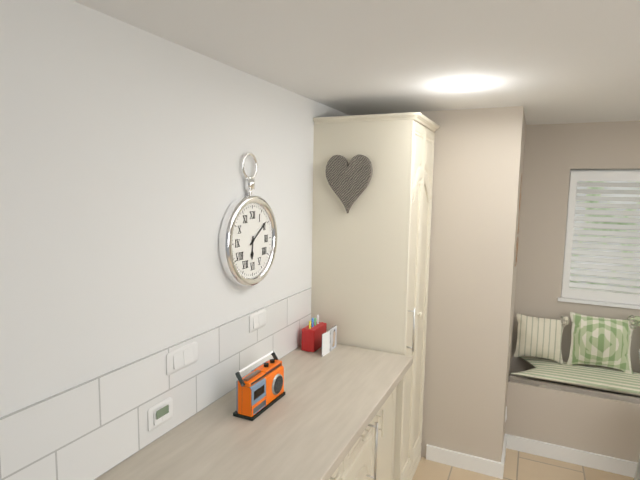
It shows 6.09
